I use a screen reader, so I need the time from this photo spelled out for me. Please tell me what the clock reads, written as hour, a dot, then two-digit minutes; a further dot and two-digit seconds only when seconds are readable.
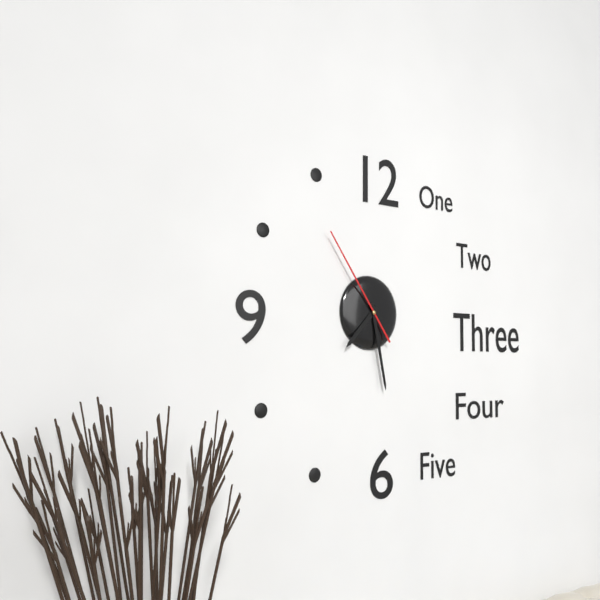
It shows 7.28.54
